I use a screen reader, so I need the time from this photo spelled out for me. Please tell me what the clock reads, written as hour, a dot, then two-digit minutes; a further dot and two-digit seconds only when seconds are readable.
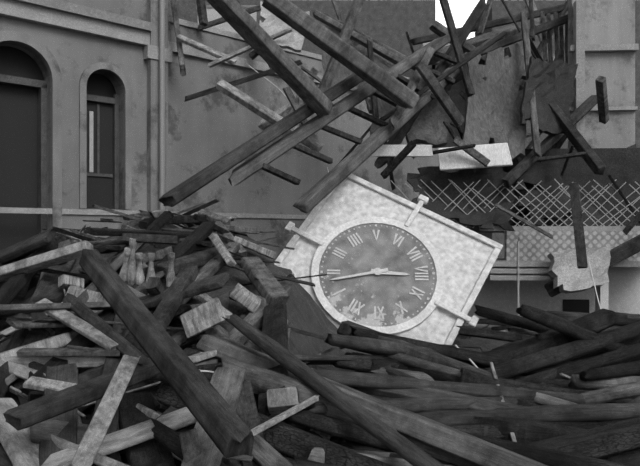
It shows 8.08
